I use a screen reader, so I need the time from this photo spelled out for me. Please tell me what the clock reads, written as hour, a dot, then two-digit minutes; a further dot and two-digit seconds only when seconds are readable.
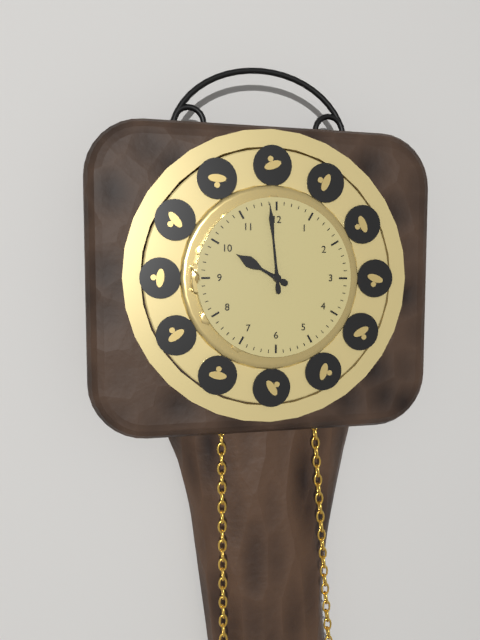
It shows 9.59
